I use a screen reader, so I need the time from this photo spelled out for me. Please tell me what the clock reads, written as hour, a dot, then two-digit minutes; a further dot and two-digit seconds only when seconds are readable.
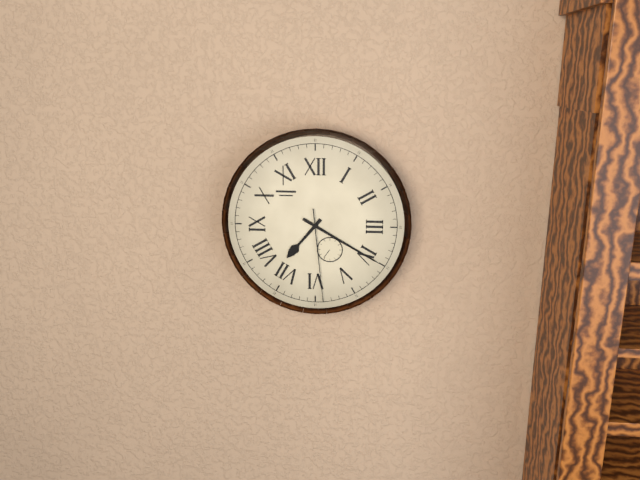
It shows 7.20.29
